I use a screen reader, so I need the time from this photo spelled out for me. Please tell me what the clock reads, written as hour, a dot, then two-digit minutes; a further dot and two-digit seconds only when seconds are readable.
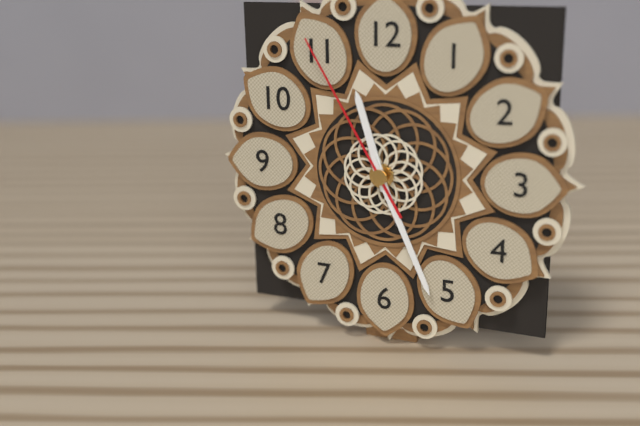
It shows 11.26.55
